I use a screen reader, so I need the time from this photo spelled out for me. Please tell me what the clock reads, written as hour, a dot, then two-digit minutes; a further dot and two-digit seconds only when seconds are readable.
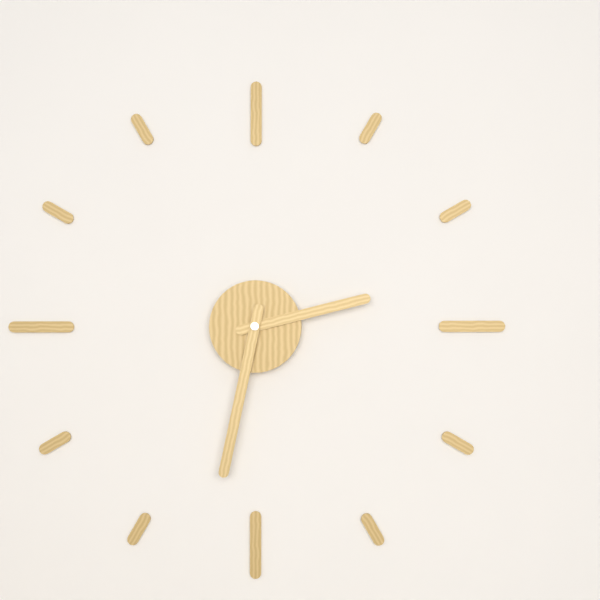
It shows 2.32
